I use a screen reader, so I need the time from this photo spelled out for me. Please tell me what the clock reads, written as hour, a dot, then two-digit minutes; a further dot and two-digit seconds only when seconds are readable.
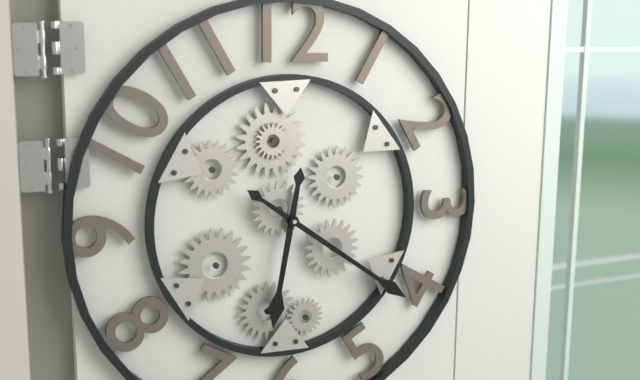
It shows 6.21
